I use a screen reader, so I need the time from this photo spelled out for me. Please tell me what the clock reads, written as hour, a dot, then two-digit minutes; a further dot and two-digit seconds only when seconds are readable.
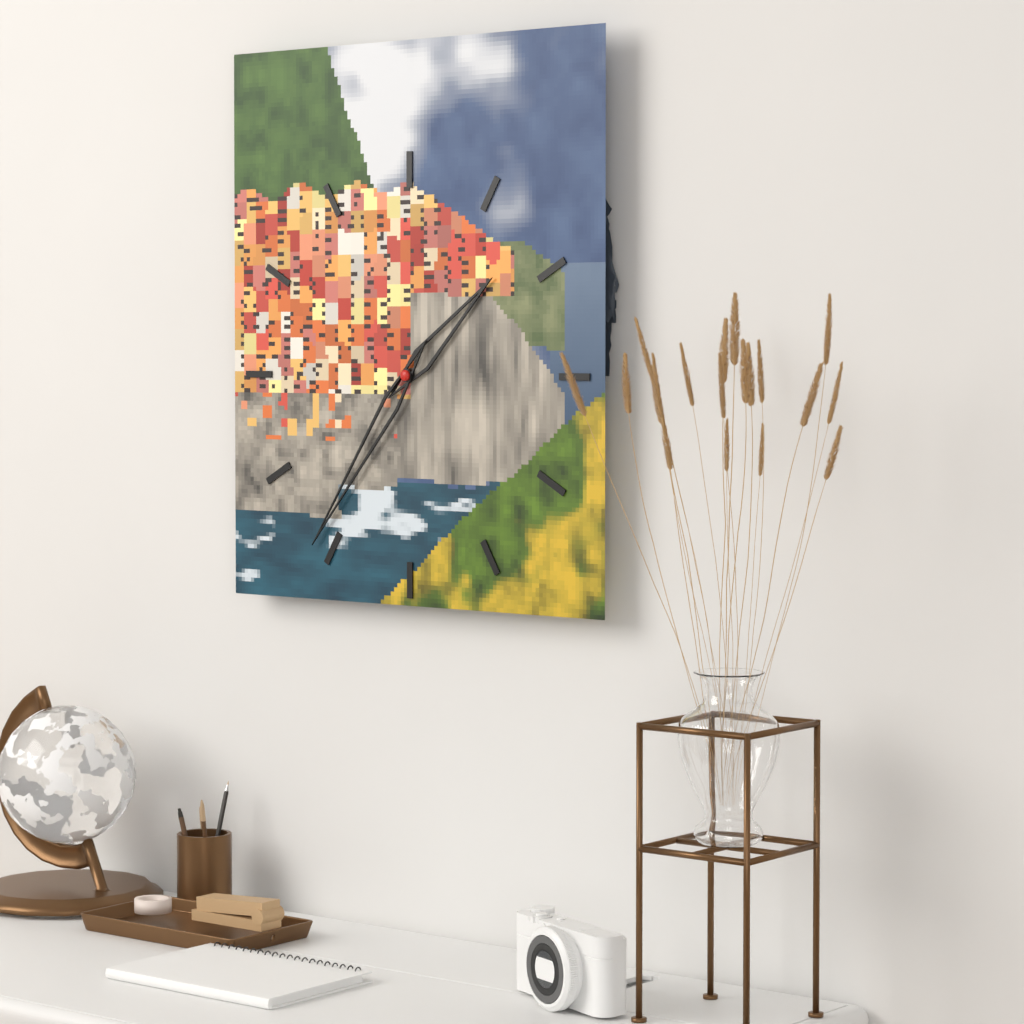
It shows 1.36
